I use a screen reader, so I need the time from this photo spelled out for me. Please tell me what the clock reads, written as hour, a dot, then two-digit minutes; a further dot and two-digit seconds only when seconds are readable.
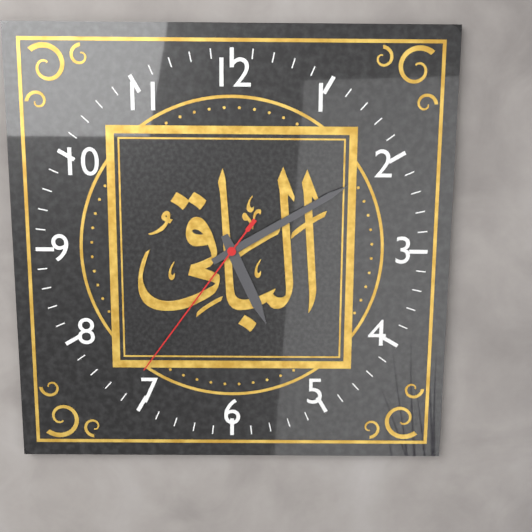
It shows 5.10.36
